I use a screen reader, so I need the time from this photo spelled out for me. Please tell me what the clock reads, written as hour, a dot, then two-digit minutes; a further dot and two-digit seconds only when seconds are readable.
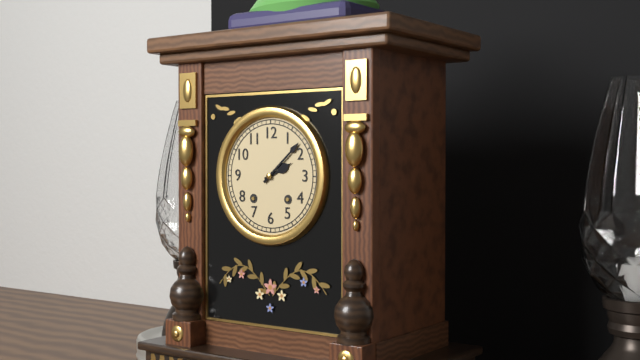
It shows 2.08
